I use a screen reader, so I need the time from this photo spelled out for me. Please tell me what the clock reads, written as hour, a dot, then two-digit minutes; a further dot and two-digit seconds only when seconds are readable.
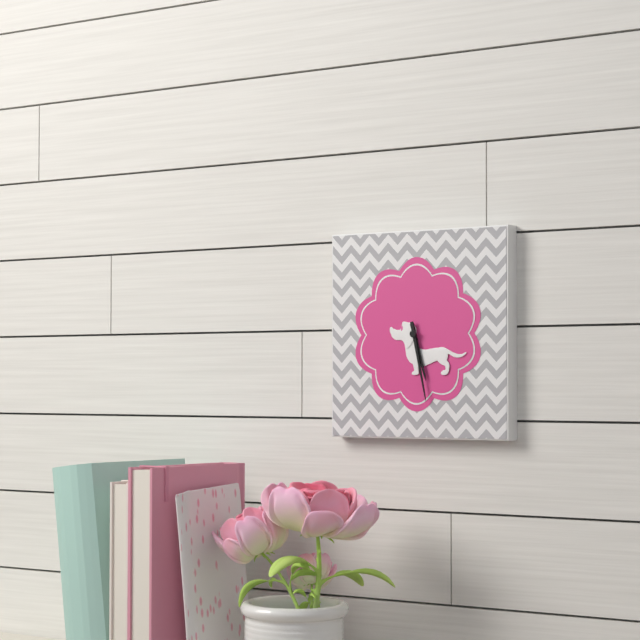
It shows 5.28
